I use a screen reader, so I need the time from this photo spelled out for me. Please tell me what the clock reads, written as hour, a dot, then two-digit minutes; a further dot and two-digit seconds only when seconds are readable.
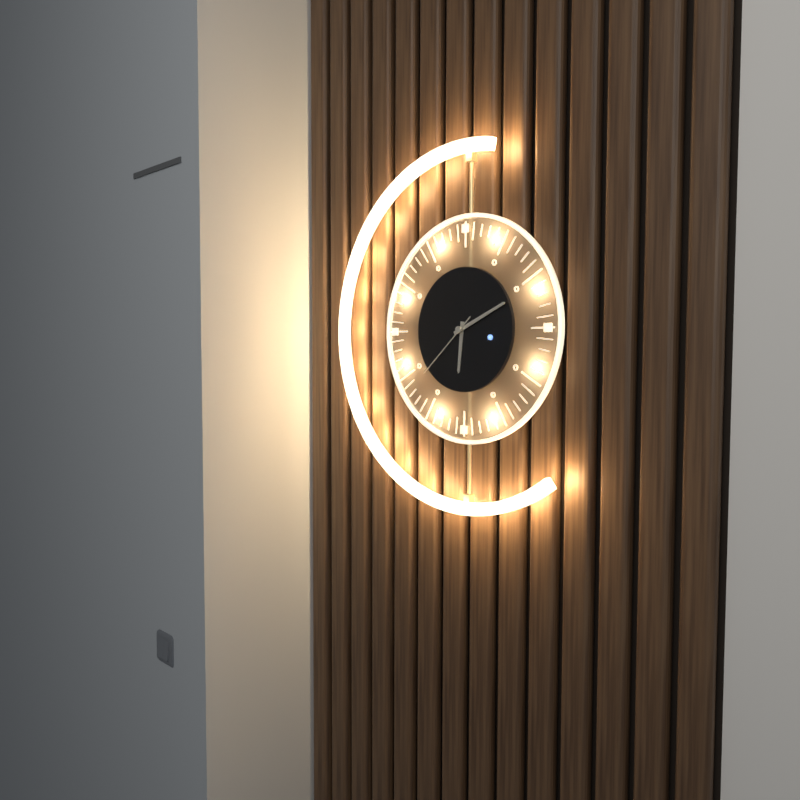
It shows 6.11.38
